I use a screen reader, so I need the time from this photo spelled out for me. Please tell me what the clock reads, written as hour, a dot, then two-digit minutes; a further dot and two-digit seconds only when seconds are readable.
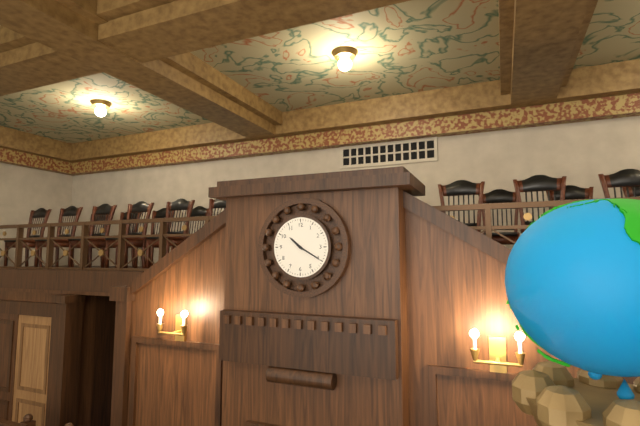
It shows 10.20
